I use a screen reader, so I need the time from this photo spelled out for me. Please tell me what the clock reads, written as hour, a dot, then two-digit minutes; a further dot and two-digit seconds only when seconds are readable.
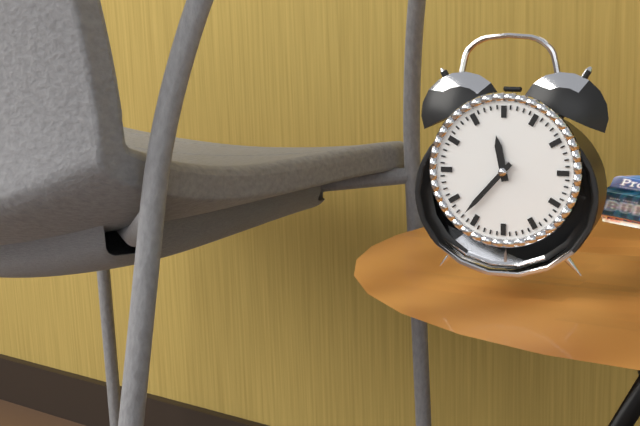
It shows 11.37
